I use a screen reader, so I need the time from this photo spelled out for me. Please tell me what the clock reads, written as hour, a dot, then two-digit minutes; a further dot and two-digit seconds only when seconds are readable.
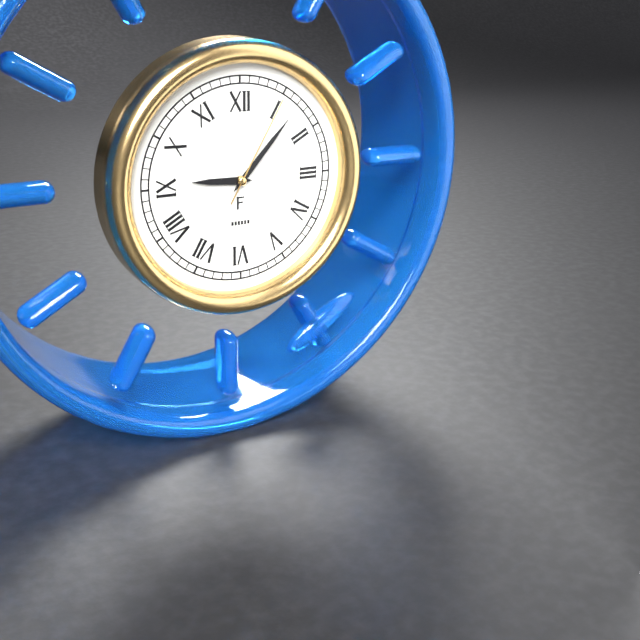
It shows 9.07.05
